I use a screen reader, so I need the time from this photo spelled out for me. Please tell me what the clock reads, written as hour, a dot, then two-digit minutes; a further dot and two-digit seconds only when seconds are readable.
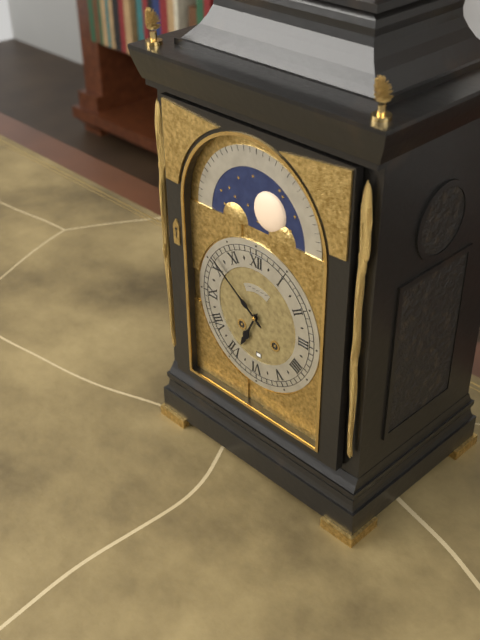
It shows 6.51
